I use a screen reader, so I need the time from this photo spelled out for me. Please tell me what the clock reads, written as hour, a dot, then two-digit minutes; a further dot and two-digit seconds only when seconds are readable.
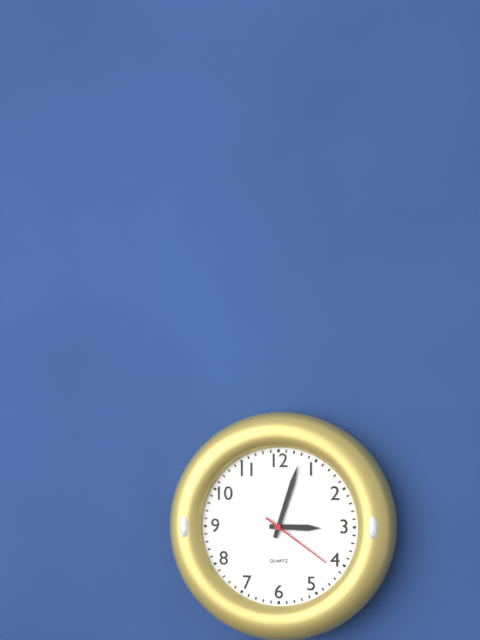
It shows 3.03.21
